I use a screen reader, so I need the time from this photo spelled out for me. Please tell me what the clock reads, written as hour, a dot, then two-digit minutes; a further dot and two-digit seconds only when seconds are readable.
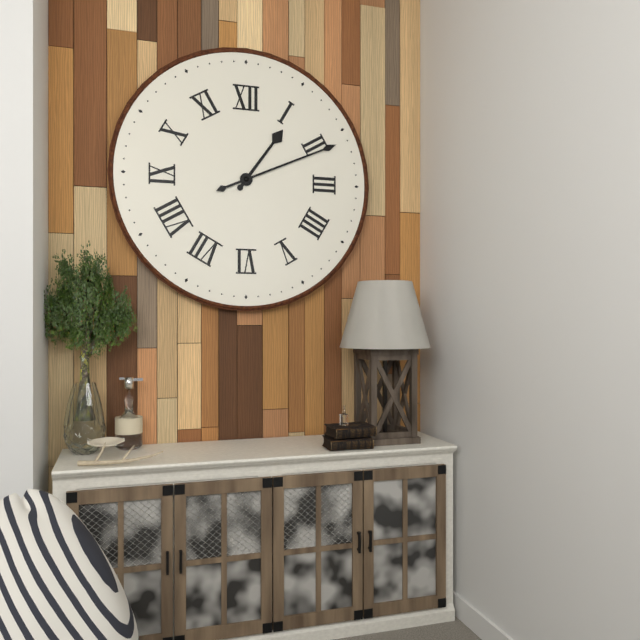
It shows 1.11
